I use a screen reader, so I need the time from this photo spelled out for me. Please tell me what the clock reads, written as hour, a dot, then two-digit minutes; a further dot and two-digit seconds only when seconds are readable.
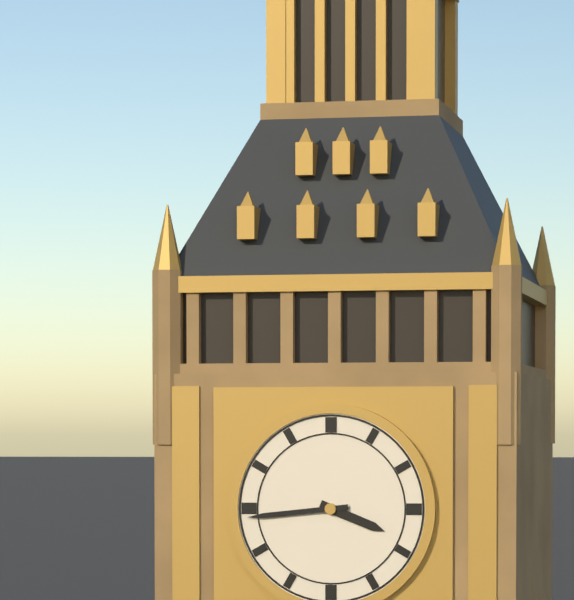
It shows 3.44
